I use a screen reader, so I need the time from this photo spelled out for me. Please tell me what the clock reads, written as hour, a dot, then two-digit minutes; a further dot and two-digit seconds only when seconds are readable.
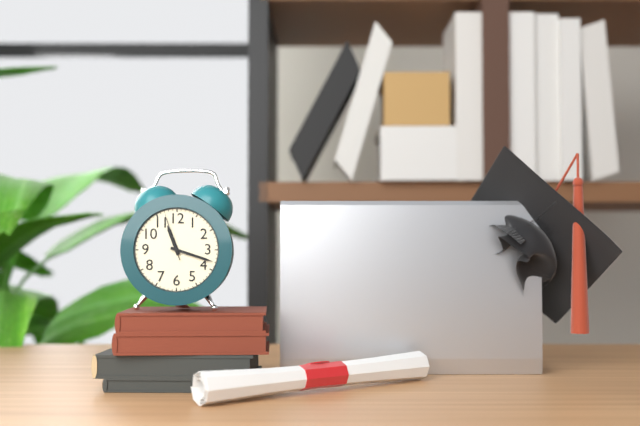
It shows 11.18.57
